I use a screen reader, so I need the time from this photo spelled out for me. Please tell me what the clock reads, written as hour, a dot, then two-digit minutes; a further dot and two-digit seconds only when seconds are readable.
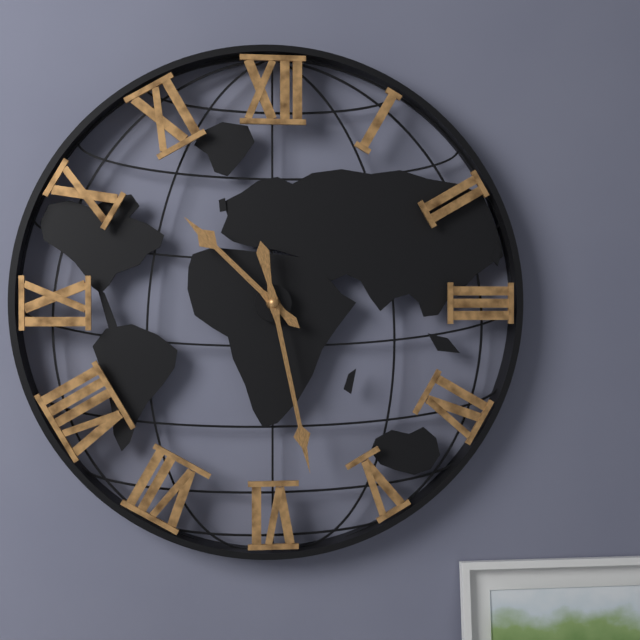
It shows 10.28
